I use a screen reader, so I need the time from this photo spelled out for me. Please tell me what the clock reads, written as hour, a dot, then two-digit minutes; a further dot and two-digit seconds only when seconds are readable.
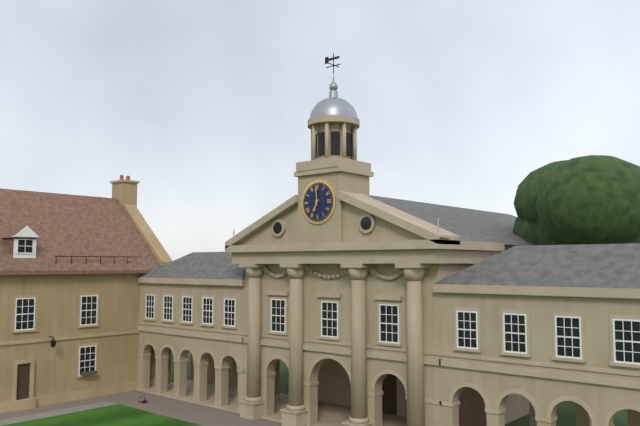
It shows 6.59
